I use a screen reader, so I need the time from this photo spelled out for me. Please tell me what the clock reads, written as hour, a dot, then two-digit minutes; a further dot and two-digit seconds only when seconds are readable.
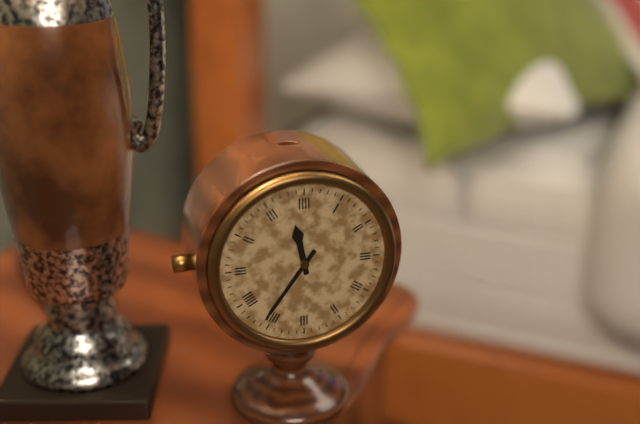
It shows 11.36
